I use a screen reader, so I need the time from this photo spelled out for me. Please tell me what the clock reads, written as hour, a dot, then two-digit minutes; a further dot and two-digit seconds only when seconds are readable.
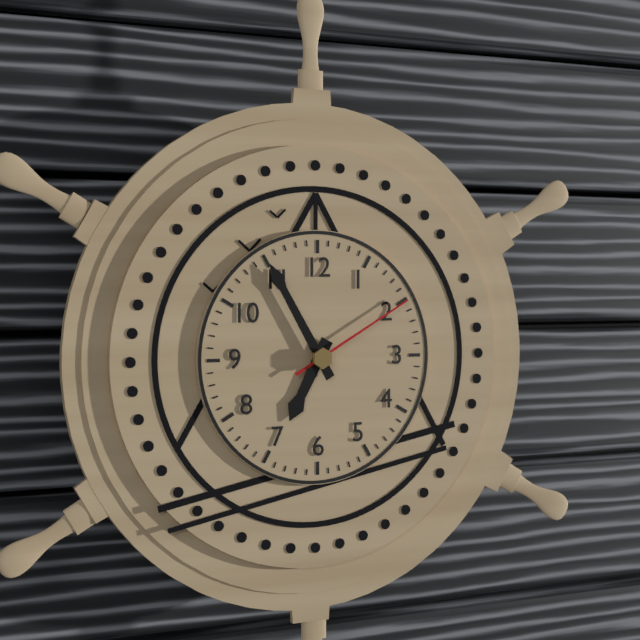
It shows 6.55.10
